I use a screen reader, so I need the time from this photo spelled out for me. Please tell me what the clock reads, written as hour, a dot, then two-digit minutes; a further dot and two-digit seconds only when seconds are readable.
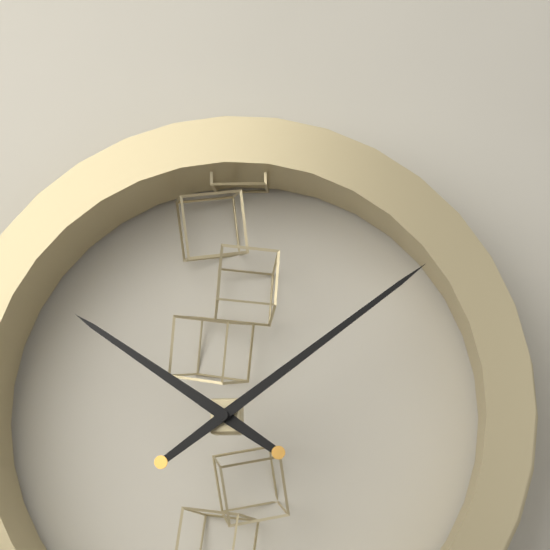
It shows 10.09
